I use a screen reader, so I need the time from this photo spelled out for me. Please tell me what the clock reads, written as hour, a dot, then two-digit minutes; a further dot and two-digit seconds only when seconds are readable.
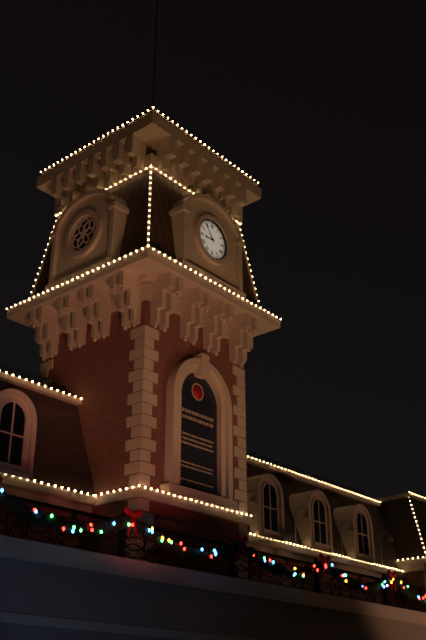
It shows 8.54
